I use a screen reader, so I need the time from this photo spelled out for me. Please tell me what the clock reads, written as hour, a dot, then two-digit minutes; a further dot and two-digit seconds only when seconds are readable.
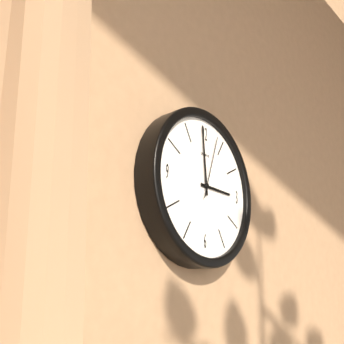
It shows 2.59.03
